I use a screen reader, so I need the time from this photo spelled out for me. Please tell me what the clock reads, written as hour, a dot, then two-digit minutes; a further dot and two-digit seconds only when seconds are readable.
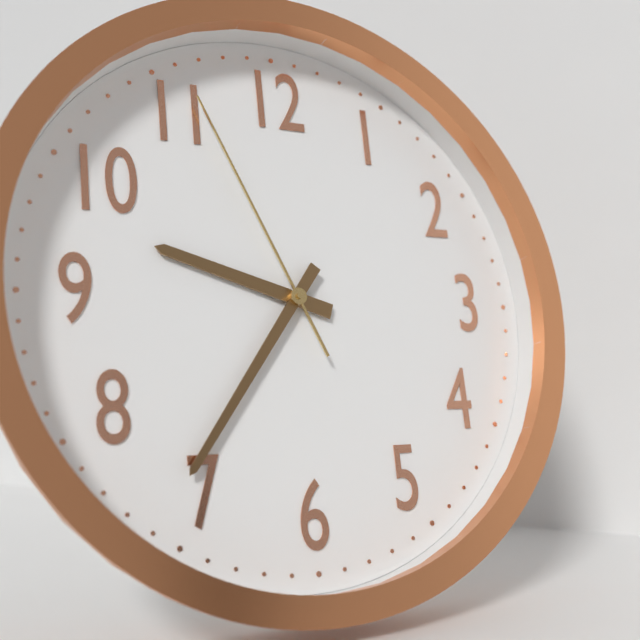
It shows 9.36.56
